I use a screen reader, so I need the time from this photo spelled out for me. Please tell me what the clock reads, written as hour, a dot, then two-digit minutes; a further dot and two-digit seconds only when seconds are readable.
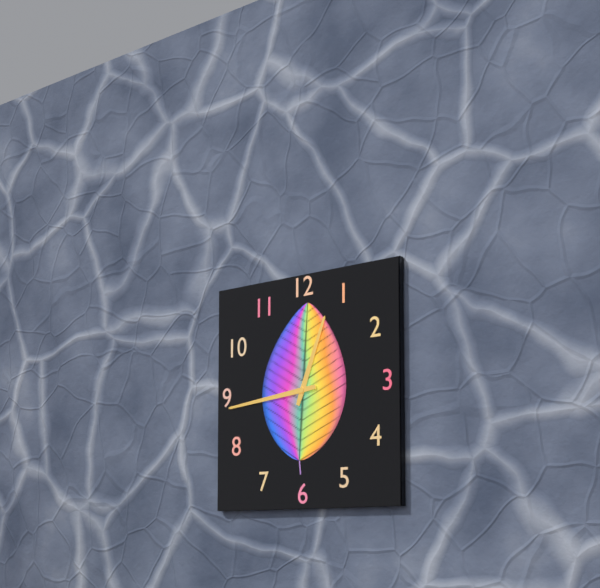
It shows 12.44
